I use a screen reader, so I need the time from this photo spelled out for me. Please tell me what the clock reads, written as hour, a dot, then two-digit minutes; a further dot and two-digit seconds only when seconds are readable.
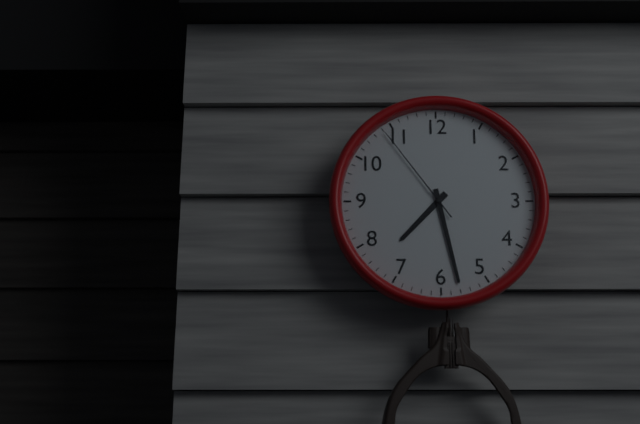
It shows 7.28.54
